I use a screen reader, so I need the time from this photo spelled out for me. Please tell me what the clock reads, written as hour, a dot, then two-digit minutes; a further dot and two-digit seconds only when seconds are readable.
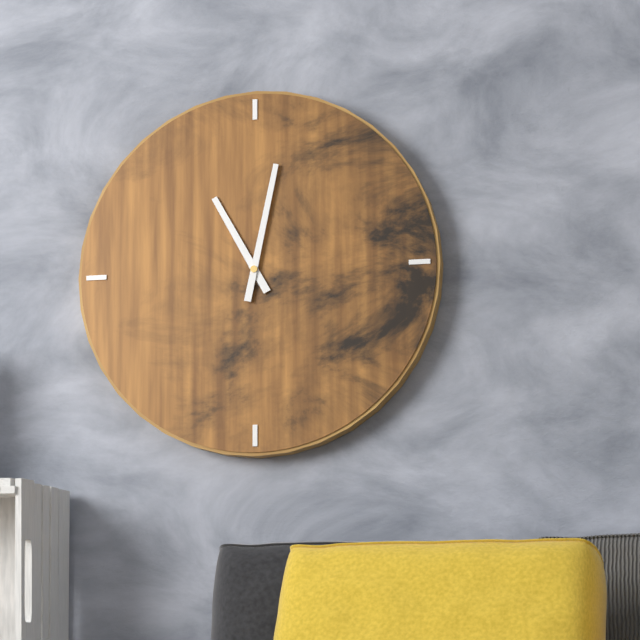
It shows 11.02
